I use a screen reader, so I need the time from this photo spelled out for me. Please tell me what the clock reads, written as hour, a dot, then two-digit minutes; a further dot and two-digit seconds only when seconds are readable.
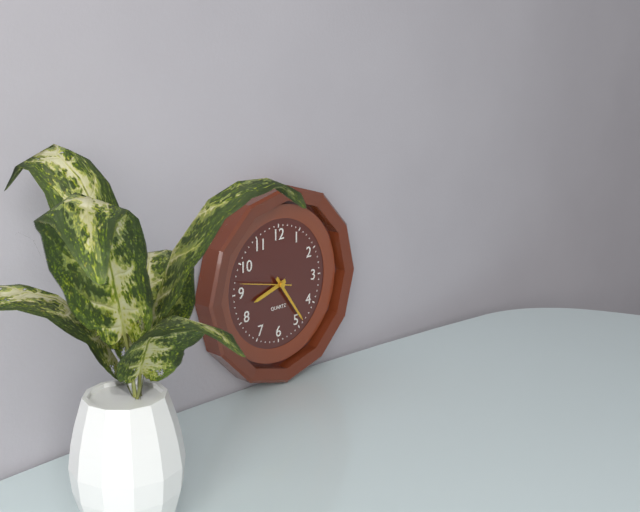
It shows 8.24.47
